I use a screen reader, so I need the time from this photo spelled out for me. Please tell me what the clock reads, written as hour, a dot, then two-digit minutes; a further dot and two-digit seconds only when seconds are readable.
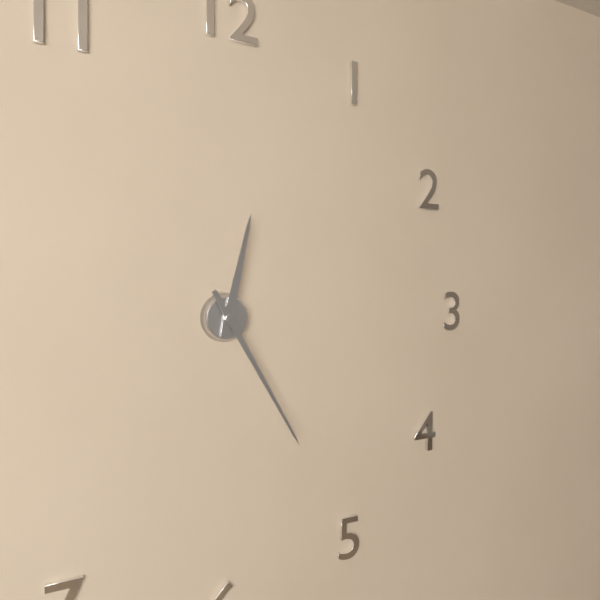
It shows 12.25
